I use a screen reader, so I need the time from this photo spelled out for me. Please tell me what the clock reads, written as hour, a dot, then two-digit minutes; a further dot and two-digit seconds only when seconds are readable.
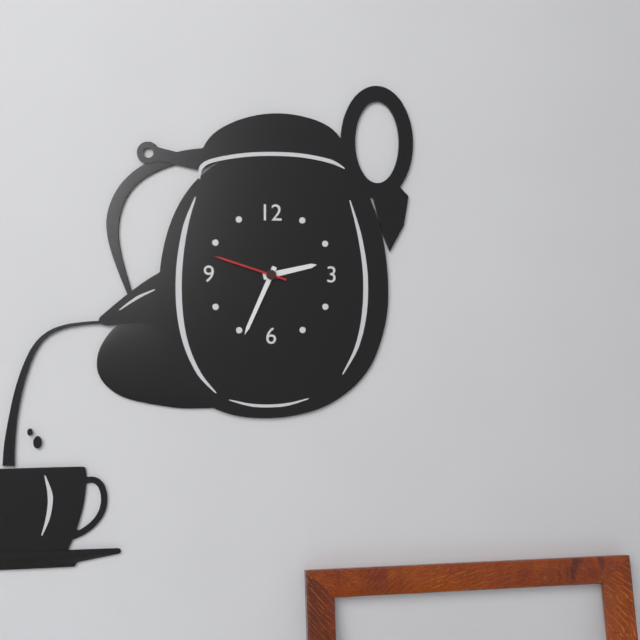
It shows 2.34.48
